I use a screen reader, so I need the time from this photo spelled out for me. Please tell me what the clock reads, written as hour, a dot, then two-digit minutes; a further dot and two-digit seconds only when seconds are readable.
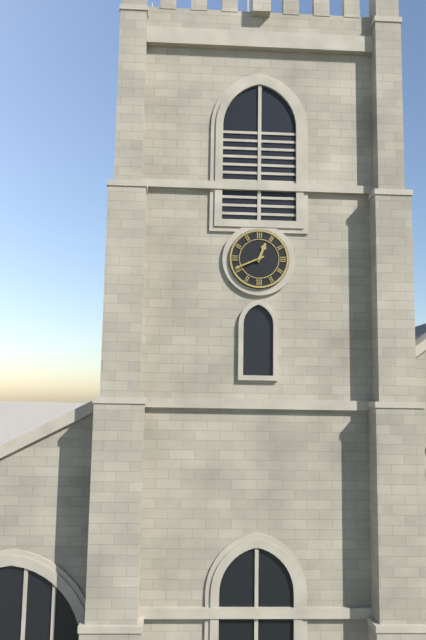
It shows 12.41
